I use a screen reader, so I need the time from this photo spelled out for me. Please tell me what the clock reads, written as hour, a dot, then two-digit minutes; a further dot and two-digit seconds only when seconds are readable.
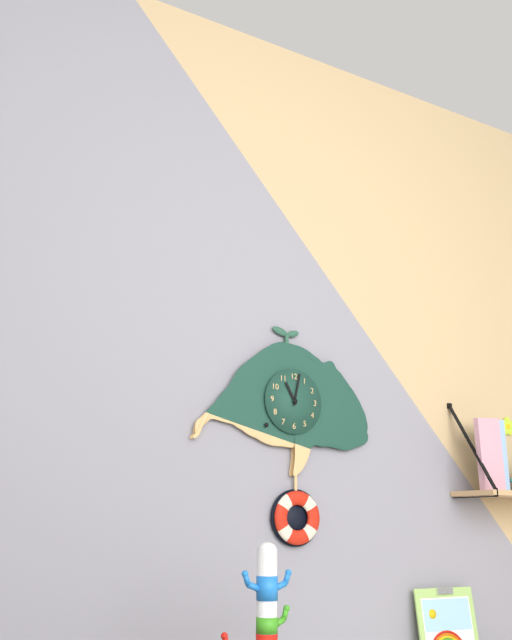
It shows 11.02
